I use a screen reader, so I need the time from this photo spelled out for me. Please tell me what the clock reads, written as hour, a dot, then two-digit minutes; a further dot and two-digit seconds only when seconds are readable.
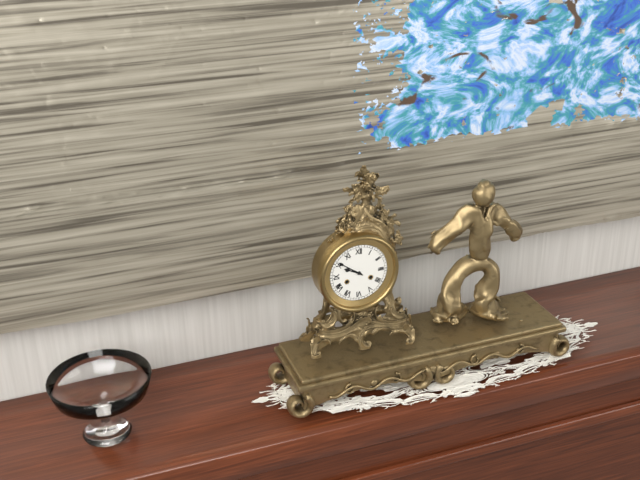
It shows 9.51
